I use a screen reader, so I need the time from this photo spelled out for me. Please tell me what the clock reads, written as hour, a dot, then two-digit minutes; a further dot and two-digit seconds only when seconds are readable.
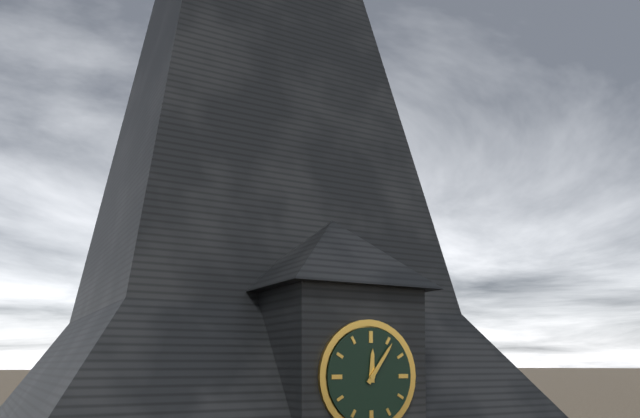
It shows 12.06
